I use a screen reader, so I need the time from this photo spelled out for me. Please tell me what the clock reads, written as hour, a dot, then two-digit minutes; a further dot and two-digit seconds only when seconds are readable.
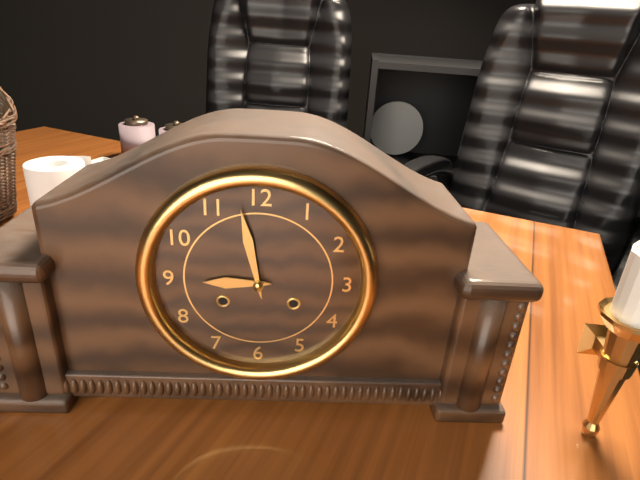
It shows 8.58
